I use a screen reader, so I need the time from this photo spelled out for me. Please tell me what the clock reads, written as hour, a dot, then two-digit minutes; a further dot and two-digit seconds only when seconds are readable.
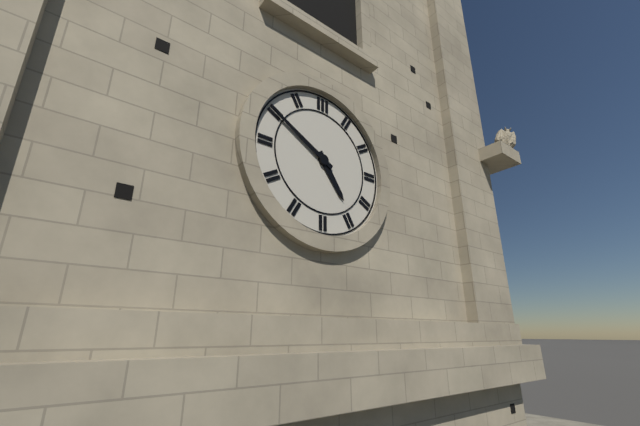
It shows 4.50
